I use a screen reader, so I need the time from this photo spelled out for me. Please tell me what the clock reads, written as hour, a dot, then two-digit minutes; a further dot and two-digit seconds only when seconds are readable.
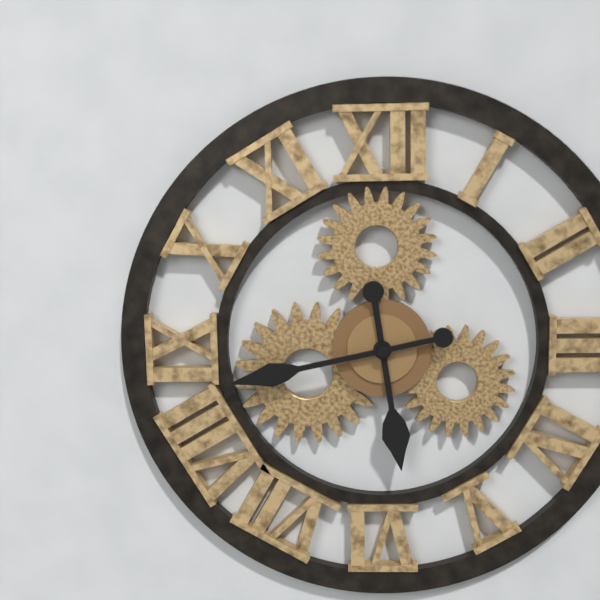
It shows 5.43
